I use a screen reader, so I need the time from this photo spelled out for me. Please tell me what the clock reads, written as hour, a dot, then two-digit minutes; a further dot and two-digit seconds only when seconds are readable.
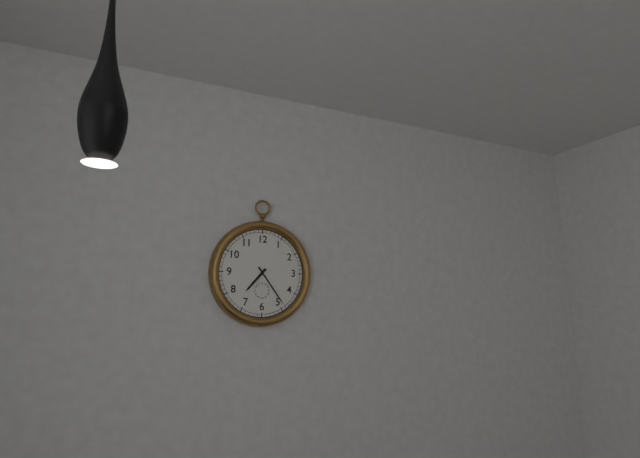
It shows 7.24
